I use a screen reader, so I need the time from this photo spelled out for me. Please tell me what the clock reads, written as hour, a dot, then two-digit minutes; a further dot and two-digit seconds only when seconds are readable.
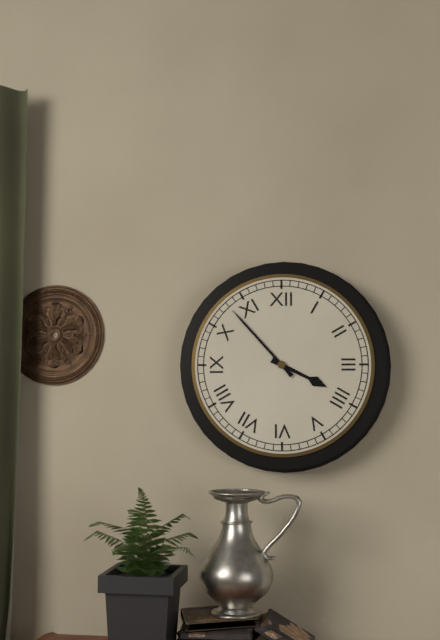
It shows 3.53
